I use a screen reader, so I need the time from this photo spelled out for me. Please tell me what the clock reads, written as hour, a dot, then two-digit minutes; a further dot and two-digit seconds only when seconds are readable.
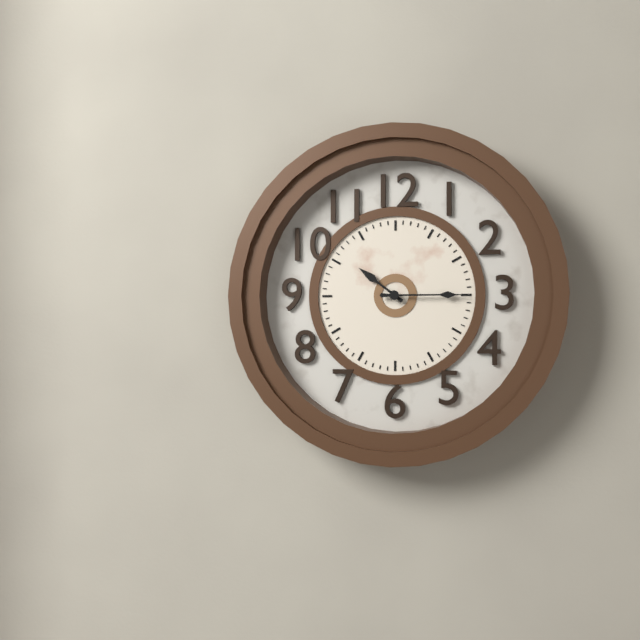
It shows 10.15
